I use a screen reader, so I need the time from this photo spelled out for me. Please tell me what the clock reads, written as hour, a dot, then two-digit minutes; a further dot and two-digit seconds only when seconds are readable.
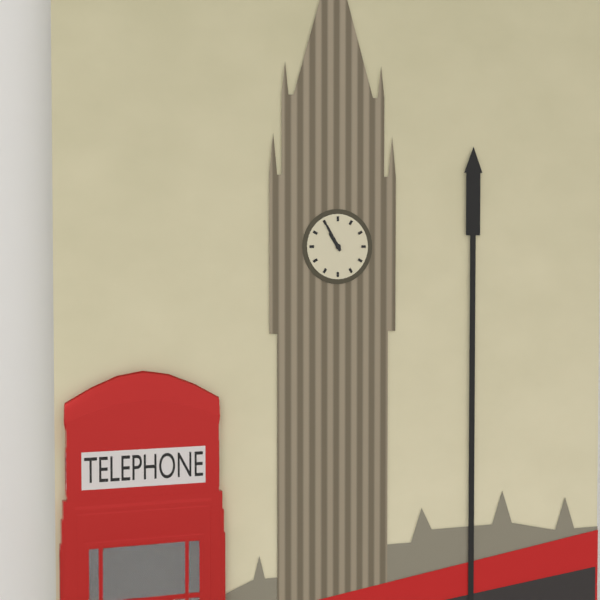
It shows 10.55
